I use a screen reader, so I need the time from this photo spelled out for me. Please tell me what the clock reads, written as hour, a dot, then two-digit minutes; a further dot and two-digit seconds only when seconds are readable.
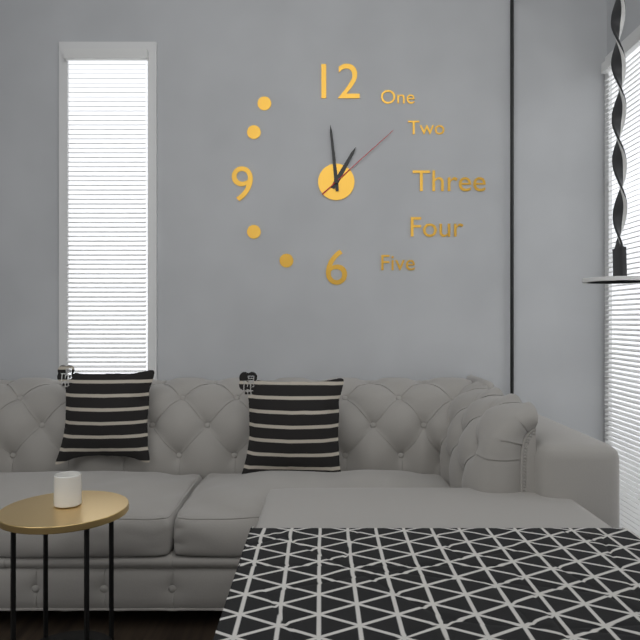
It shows 12.59.08
